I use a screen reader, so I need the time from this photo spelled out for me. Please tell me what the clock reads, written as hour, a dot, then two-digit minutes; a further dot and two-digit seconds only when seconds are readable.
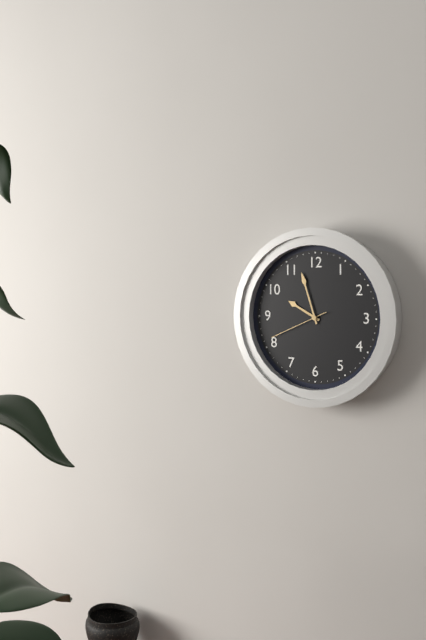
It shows 9.57.41
